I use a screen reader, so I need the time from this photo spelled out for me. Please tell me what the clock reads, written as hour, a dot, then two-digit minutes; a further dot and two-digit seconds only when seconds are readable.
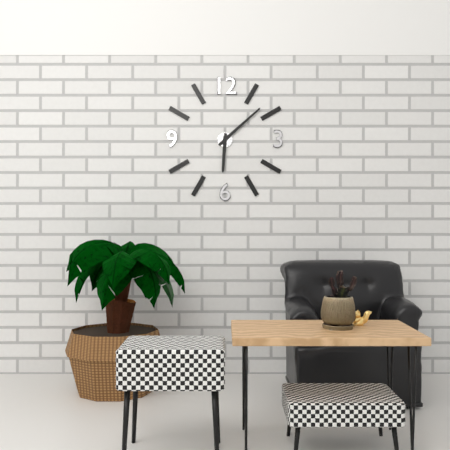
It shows 6.08
